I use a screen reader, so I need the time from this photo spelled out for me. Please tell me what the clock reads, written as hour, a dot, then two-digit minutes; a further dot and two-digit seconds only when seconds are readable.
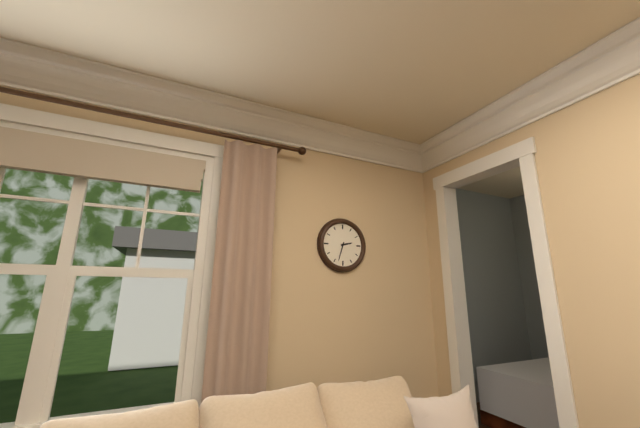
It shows 2.33
